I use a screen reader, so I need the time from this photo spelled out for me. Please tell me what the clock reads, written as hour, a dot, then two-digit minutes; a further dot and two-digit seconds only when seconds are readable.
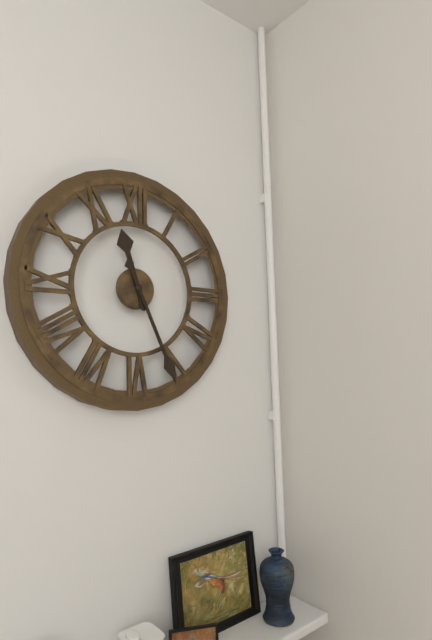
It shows 11.26
